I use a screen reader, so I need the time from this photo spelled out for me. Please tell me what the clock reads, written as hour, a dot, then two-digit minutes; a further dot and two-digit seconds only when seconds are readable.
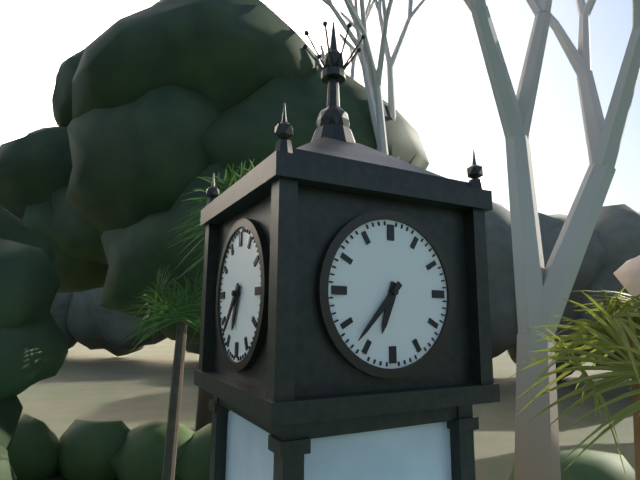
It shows 6.37
